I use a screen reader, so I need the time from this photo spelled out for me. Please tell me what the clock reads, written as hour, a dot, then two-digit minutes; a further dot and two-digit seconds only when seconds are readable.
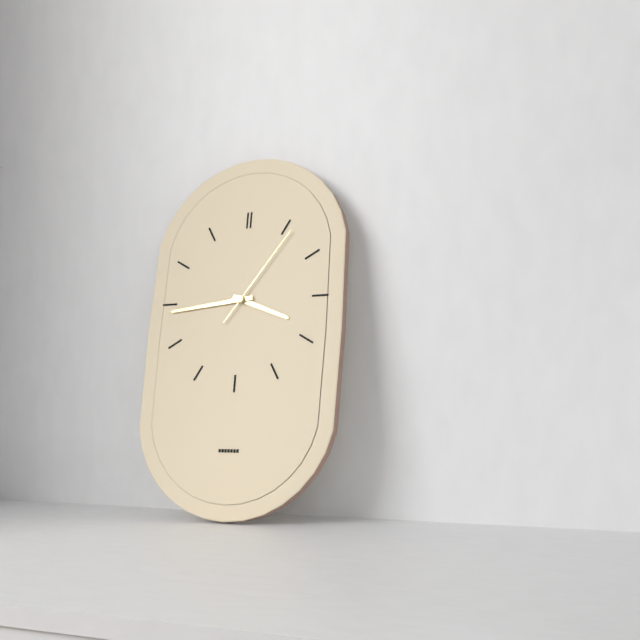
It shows 3.44.06
